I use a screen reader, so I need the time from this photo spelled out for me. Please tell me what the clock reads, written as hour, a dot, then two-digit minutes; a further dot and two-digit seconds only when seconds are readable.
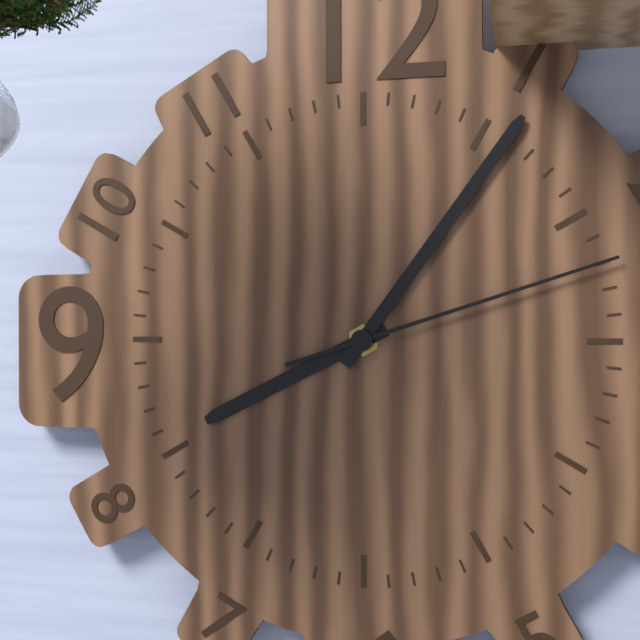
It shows 8.06.12
